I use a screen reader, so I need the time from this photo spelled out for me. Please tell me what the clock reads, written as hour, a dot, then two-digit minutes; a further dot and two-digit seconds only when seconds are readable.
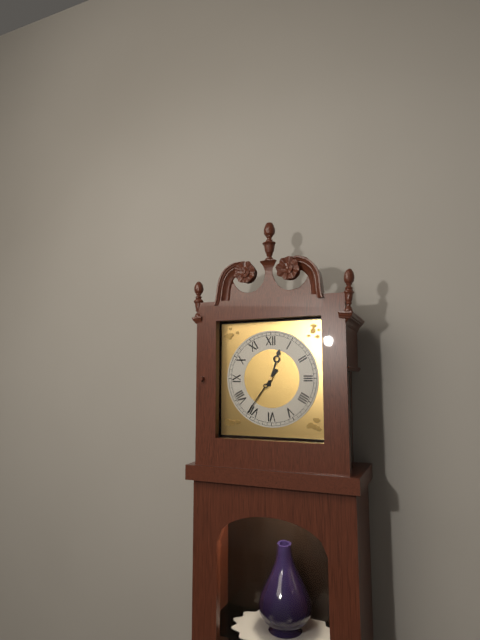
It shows 12.36
